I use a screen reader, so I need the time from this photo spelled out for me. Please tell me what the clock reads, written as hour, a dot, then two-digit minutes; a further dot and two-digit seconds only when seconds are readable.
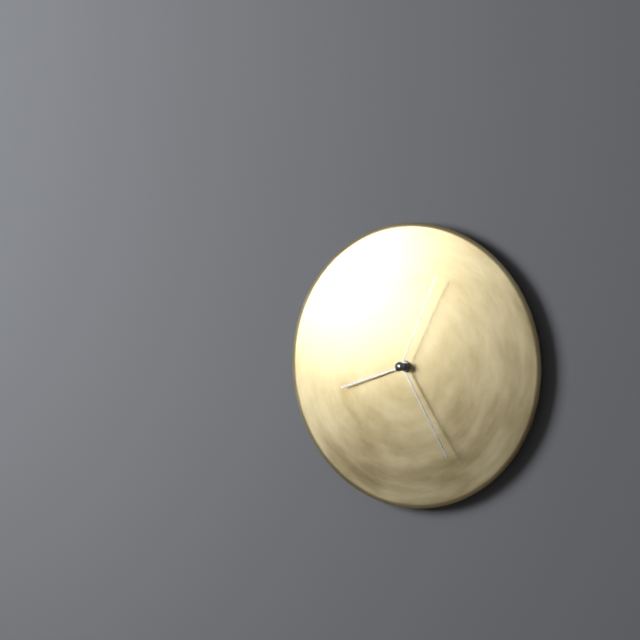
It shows 8.25.04
